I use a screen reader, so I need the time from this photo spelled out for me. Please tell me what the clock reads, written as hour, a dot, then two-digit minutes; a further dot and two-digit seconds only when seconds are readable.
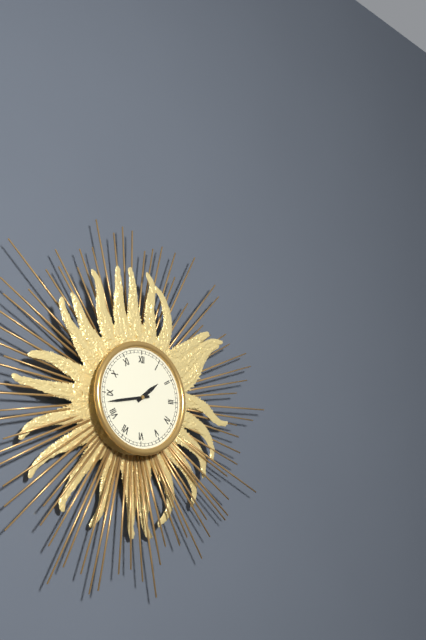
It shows 1.43
